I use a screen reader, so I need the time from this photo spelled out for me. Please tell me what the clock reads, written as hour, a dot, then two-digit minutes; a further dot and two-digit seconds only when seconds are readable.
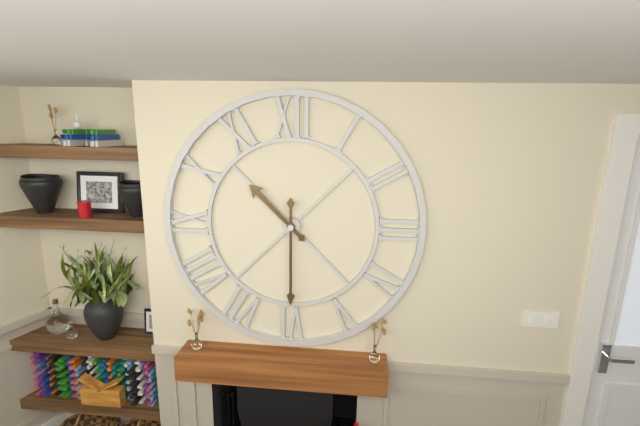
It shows 10.30
